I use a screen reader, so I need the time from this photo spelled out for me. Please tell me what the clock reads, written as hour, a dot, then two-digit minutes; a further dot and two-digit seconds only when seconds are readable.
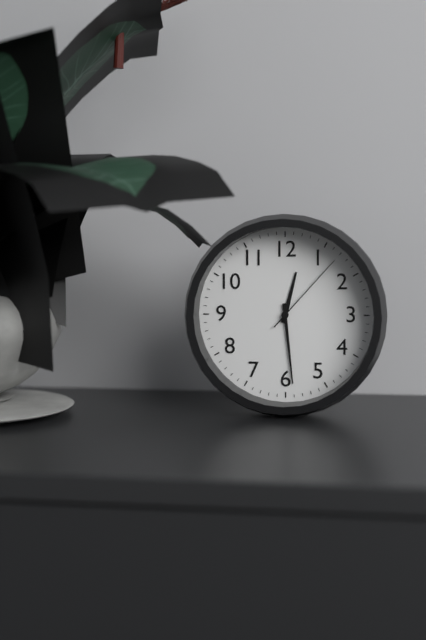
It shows 12.29.07
